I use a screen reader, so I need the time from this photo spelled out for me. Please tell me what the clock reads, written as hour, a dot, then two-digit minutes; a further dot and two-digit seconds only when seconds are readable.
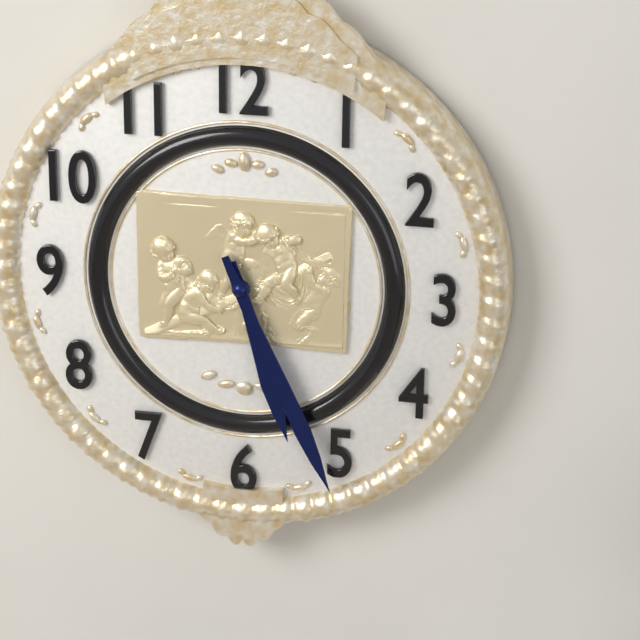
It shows 5.26
